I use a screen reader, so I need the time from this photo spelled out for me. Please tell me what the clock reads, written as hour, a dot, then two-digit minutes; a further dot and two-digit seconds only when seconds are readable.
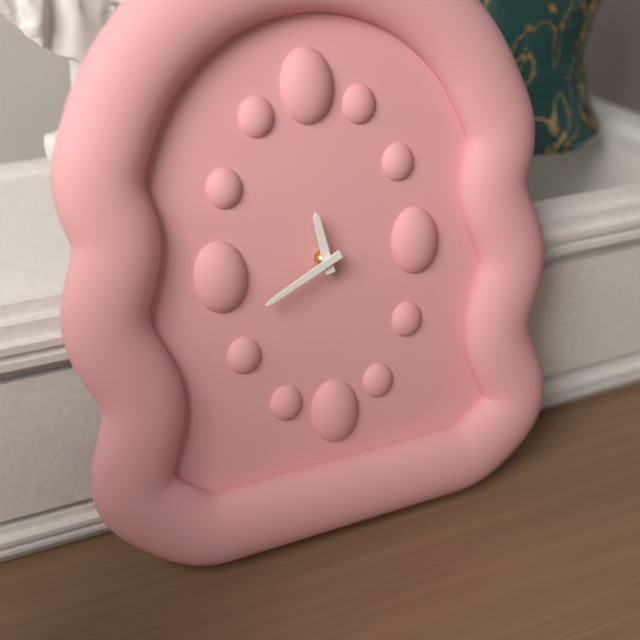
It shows 11.41
